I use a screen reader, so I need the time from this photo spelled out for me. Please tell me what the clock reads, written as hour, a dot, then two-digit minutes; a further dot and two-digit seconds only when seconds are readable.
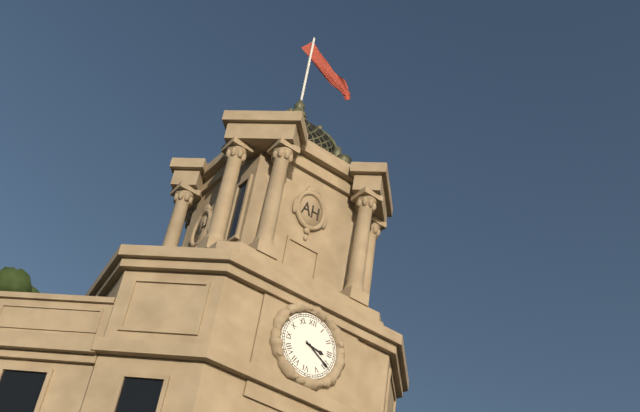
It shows 3.20
